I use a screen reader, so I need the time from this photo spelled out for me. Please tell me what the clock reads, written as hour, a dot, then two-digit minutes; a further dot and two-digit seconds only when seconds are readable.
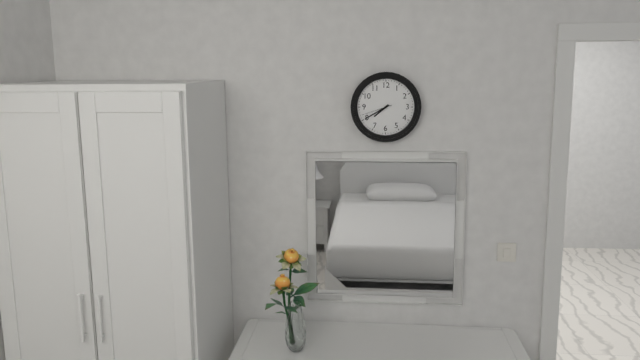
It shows 7.40
